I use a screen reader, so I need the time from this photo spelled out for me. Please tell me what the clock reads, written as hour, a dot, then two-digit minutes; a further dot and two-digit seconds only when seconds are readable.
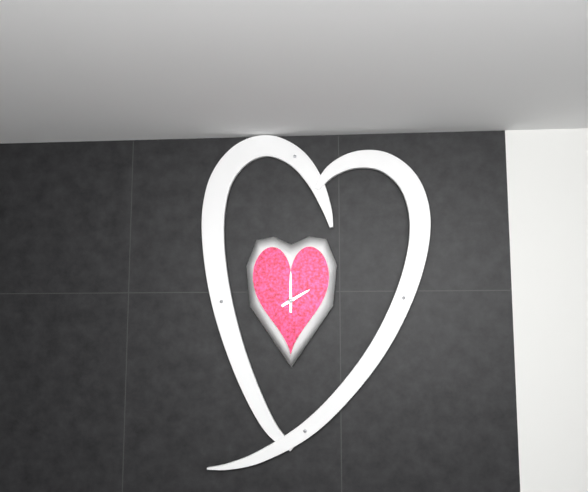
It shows 2.00
